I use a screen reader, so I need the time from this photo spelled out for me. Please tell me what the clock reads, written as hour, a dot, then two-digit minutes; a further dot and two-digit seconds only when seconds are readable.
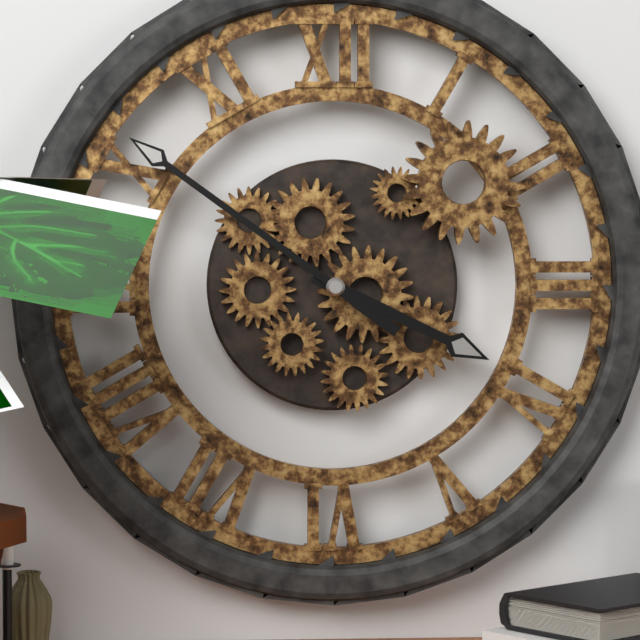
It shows 3.51
